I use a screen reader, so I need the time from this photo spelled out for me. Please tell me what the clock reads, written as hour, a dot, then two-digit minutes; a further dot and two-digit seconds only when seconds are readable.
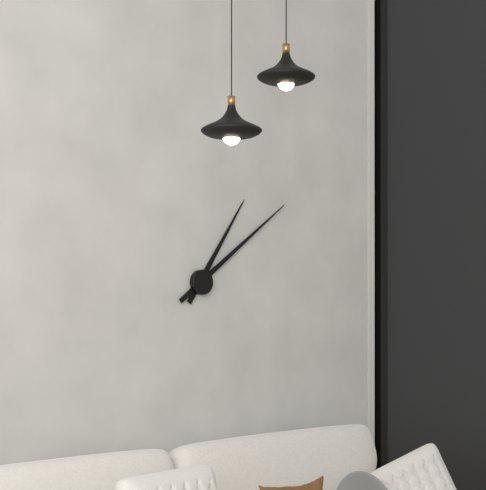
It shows 1.09
